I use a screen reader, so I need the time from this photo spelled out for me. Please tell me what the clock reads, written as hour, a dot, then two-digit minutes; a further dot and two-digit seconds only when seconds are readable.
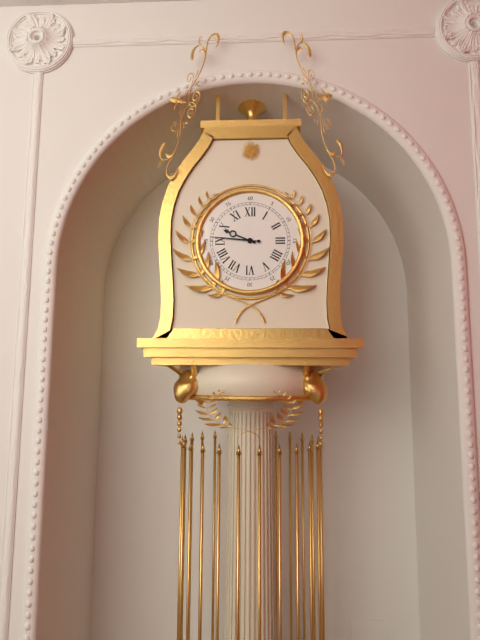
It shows 9.46
